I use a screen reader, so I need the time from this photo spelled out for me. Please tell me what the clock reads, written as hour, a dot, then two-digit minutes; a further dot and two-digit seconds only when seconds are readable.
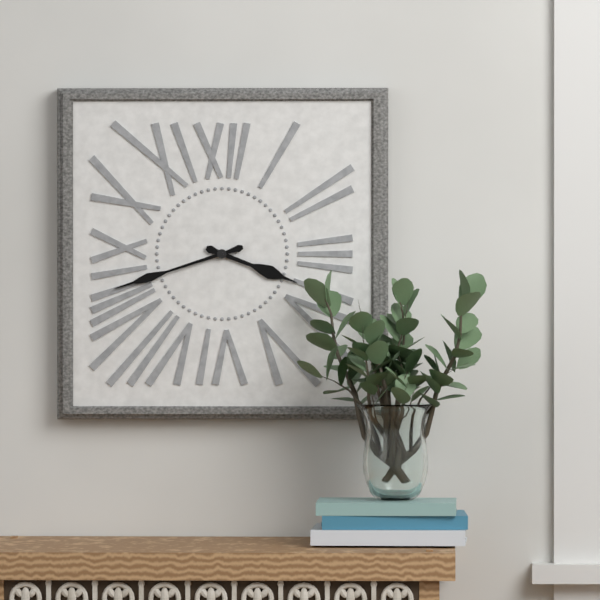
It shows 3.42
